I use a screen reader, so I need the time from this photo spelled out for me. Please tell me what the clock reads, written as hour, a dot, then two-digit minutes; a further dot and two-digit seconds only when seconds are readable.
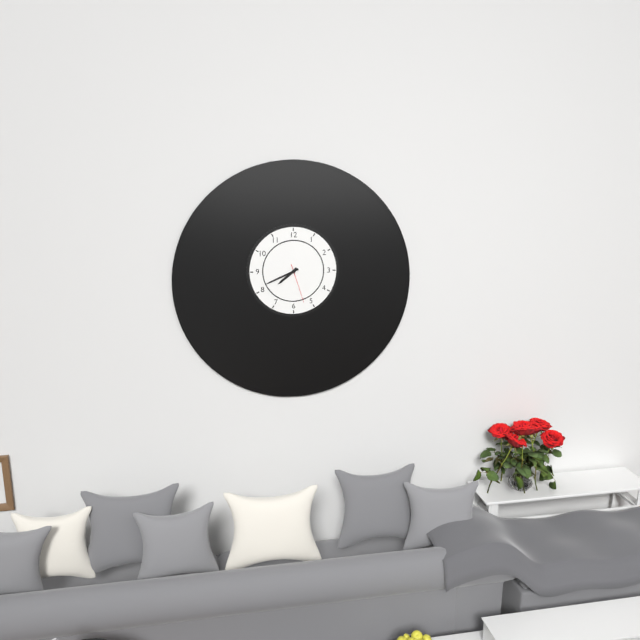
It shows 7.41
